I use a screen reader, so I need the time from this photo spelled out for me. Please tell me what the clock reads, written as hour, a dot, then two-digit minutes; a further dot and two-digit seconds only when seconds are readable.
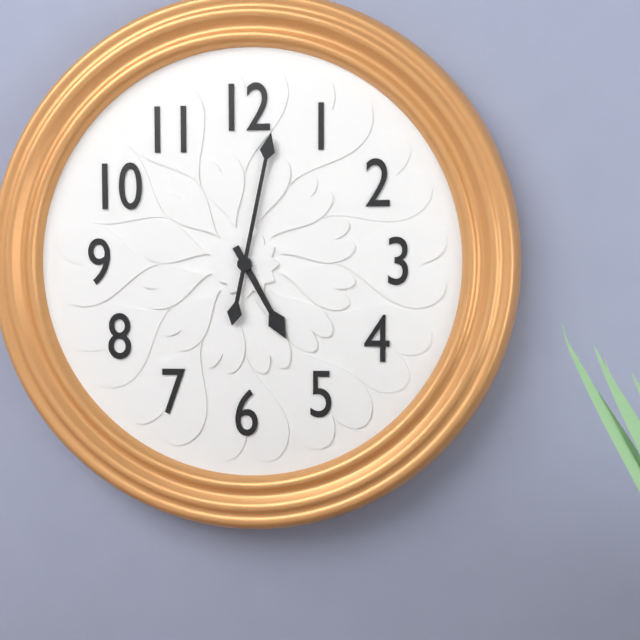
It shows 5.02
